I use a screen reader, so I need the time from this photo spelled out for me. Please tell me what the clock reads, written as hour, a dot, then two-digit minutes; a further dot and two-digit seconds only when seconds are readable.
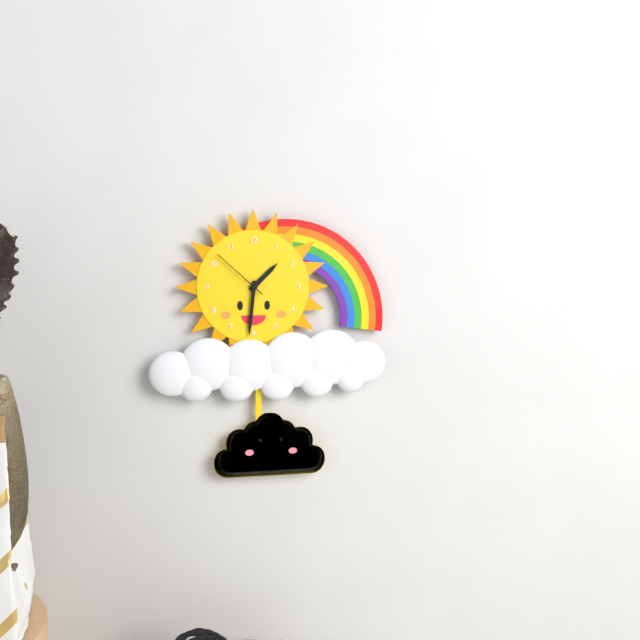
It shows 1.31.52
